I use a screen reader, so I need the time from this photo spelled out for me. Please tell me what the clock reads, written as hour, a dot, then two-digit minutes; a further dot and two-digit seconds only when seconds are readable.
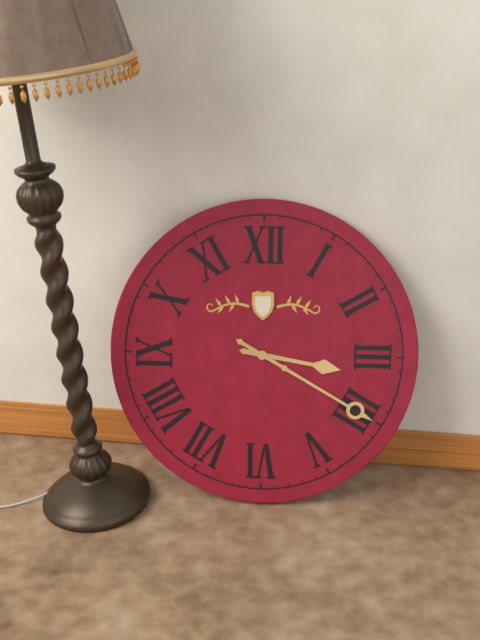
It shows 3.20
